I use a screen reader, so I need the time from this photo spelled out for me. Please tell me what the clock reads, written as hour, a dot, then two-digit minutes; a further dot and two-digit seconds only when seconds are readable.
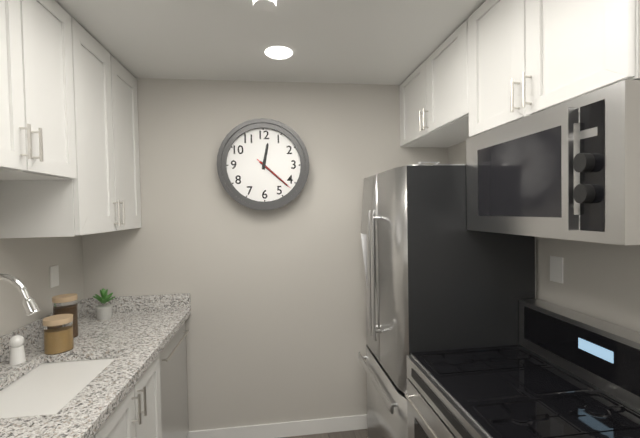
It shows 12.22
